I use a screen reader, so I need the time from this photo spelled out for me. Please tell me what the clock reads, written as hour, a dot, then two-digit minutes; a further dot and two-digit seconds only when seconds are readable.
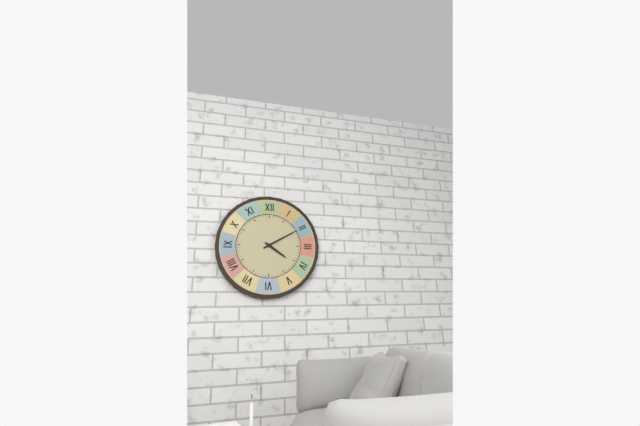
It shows 4.10
